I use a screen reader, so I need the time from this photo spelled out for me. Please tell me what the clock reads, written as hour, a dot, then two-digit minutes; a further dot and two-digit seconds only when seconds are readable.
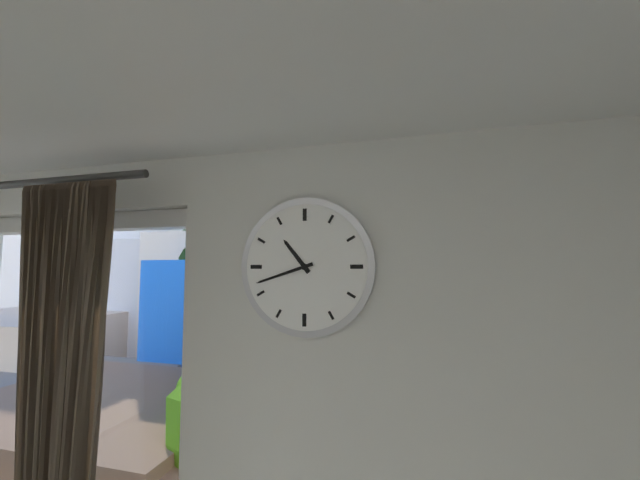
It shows 10.42
